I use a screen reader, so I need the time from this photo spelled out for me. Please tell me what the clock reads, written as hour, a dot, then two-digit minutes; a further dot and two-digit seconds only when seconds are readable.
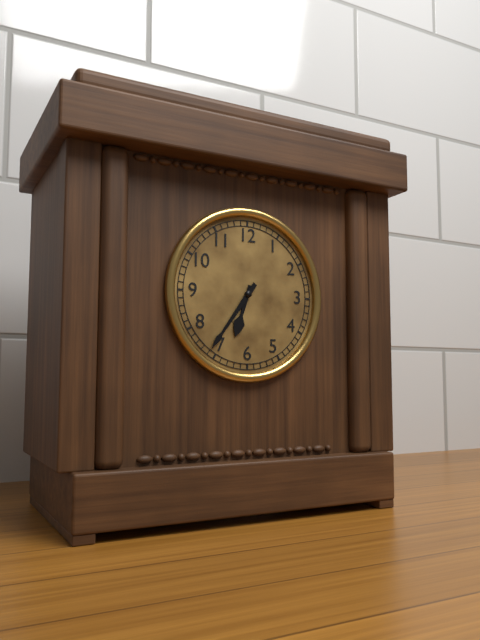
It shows 6.36
